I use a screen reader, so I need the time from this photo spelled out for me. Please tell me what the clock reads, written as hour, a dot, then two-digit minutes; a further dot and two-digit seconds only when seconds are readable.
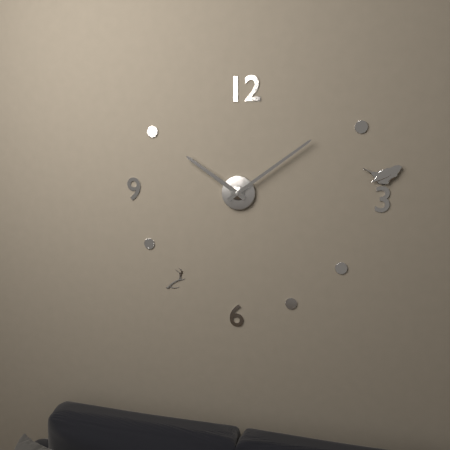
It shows 10.09
